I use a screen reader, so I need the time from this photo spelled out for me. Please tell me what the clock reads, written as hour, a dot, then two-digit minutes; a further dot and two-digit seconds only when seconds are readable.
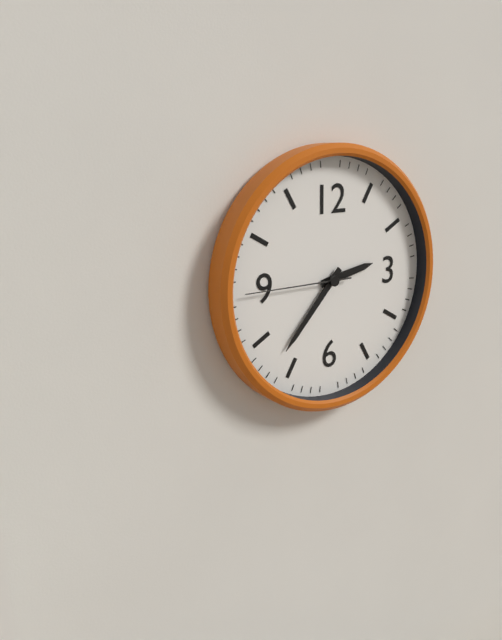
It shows 2.37.45
